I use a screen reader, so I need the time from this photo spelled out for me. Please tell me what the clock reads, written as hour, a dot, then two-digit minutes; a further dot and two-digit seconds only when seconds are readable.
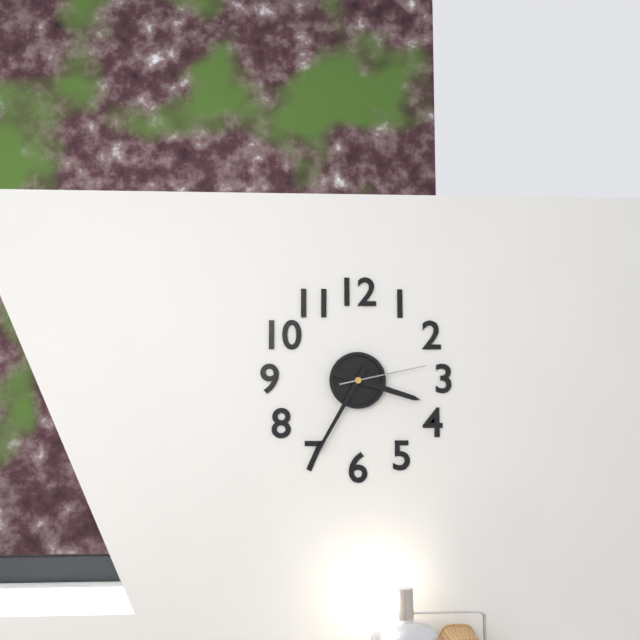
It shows 3.35.13
